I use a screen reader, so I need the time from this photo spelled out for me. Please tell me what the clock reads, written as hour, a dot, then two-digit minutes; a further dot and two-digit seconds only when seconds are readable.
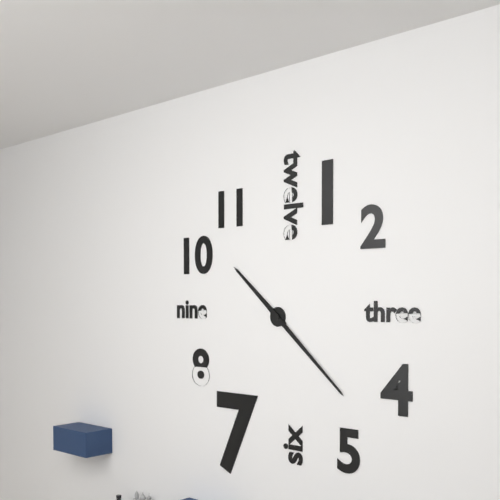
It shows 10.22
